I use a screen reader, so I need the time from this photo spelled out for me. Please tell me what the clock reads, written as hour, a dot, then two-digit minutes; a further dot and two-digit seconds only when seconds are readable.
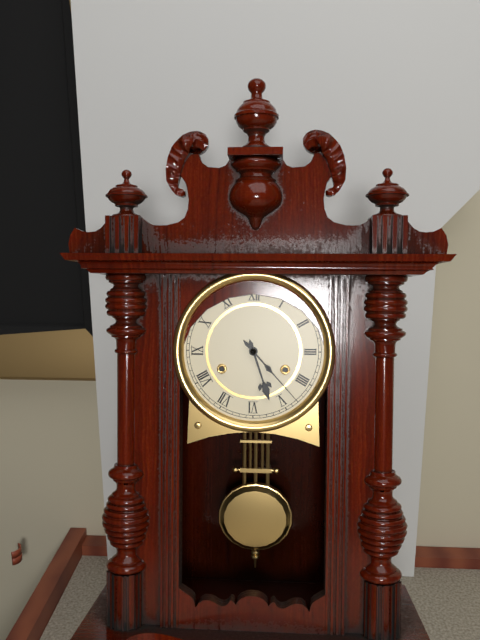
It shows 5.23
